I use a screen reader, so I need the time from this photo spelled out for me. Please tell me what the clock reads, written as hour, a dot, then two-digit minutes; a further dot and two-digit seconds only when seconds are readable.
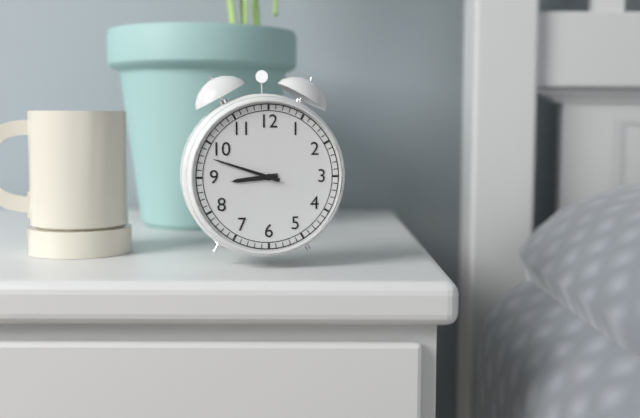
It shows 8.48
